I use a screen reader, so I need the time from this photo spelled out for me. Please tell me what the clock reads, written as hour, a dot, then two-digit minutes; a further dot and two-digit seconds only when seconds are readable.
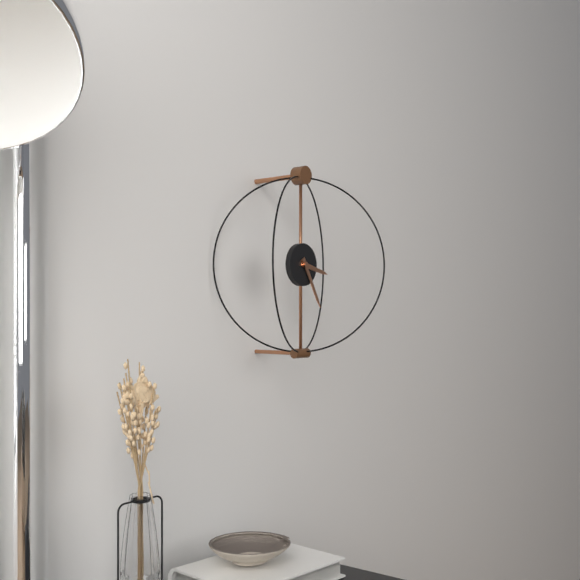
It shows 3.25
